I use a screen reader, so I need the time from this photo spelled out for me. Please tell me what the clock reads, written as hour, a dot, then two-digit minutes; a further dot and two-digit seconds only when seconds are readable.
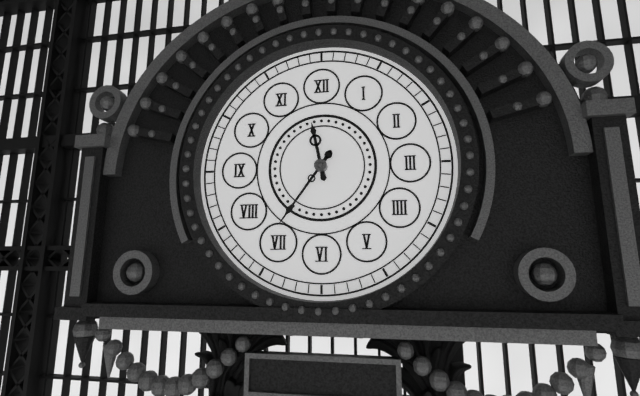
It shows 11.36
